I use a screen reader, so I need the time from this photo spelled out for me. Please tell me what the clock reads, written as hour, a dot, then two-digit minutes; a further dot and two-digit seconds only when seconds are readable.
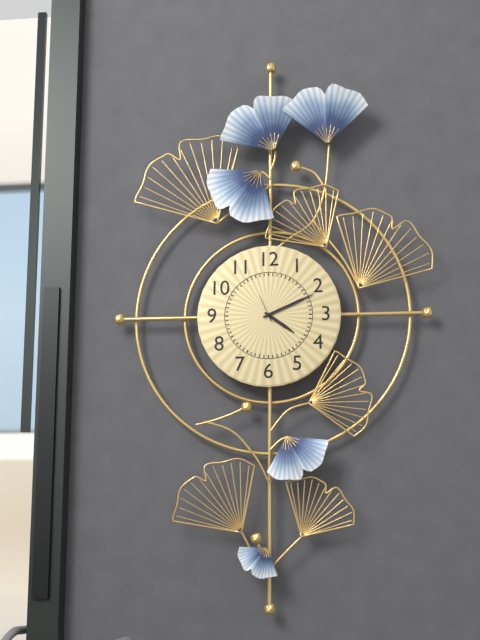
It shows 4.11
